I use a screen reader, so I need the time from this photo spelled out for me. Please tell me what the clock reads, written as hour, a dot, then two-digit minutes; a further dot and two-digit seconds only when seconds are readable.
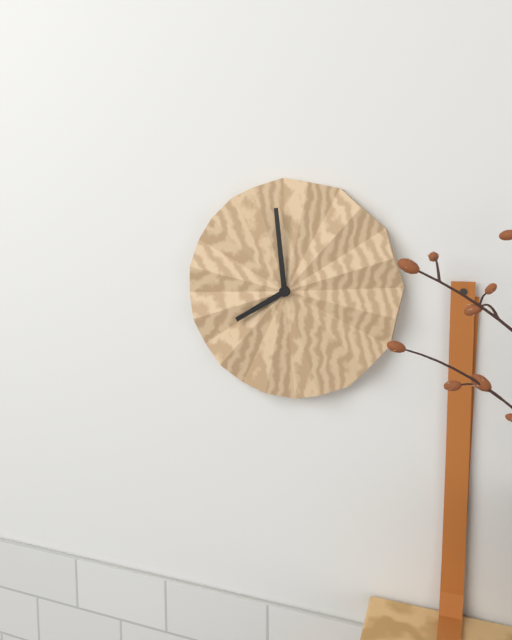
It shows 7.59
